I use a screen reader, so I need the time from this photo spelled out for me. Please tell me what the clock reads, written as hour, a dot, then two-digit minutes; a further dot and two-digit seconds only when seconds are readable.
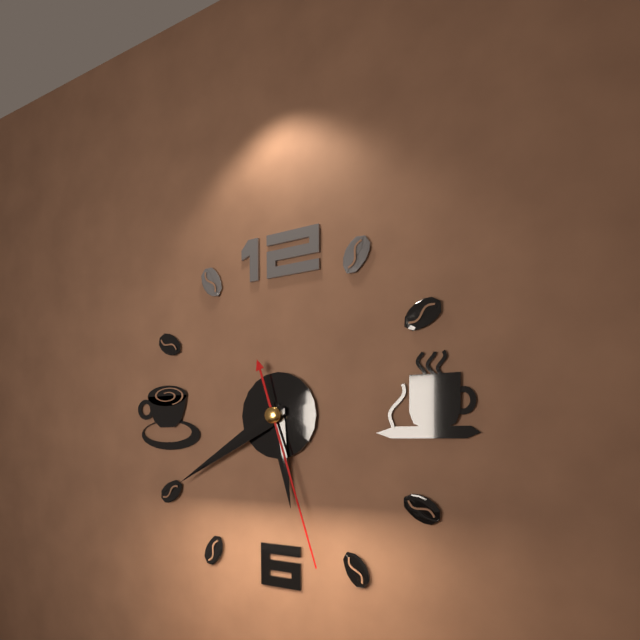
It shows 5.40.27
